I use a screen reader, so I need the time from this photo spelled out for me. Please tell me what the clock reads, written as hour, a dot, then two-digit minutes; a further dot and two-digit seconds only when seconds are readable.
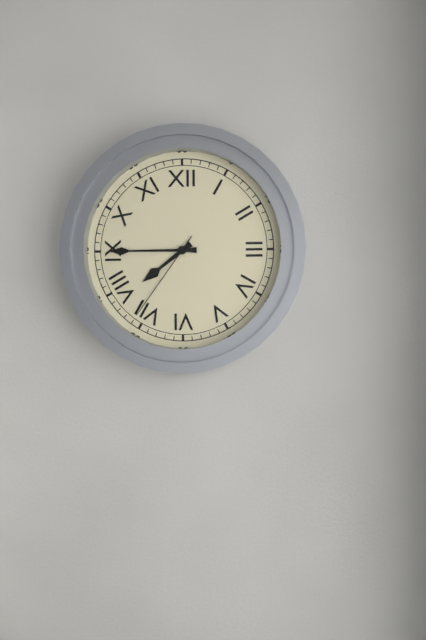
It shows 7.45.36
